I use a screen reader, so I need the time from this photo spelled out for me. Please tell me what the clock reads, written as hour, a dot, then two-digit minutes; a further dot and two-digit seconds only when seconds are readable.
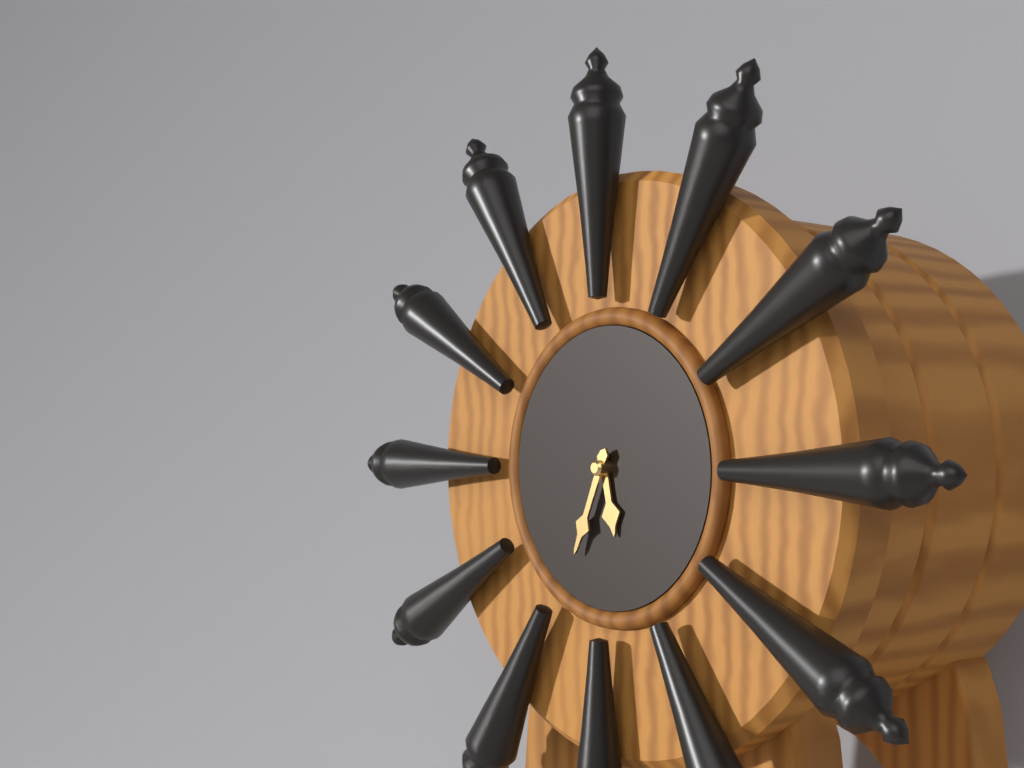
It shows 5.34
